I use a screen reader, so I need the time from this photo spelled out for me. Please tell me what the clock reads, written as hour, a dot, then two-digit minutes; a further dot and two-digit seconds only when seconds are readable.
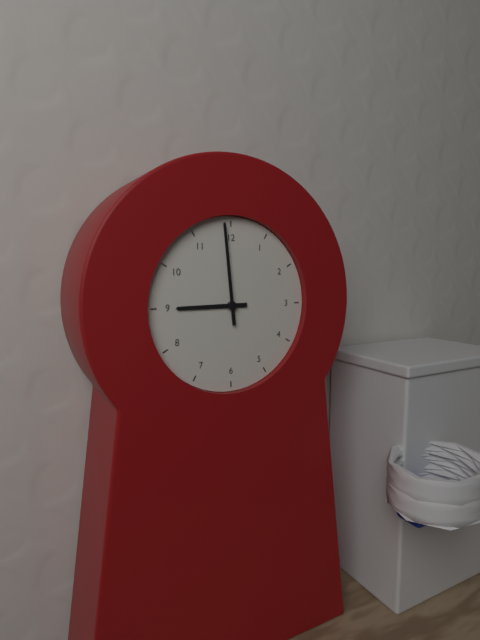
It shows 8.59
